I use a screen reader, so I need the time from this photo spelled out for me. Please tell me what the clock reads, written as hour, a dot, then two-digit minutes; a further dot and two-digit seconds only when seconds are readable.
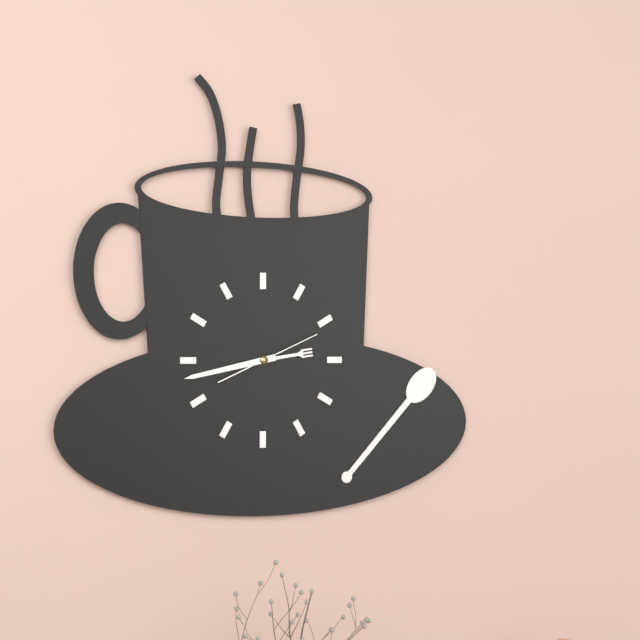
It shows 2.43.11
